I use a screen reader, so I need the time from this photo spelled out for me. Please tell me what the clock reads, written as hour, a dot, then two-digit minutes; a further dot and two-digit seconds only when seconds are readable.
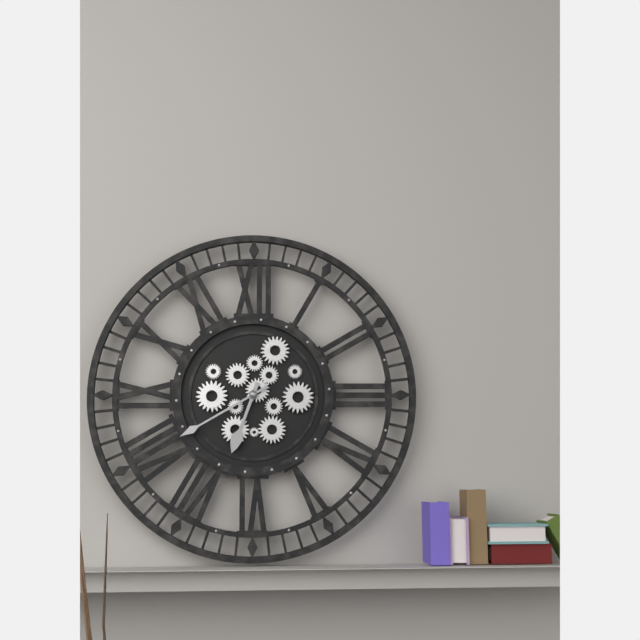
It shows 6.40
